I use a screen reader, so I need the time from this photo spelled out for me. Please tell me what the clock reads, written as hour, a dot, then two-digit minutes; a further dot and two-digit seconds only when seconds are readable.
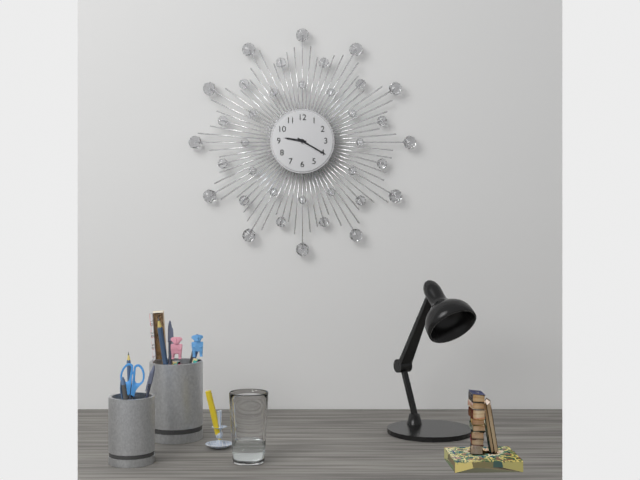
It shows 9.20
